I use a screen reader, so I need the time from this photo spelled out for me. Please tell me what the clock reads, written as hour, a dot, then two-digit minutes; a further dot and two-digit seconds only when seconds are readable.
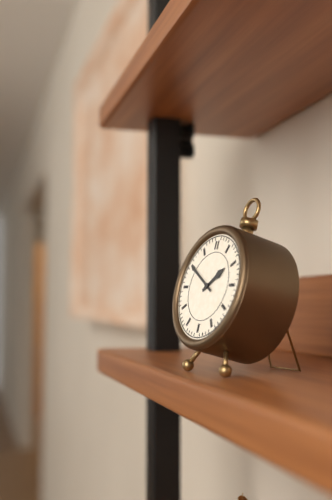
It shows 1.50
